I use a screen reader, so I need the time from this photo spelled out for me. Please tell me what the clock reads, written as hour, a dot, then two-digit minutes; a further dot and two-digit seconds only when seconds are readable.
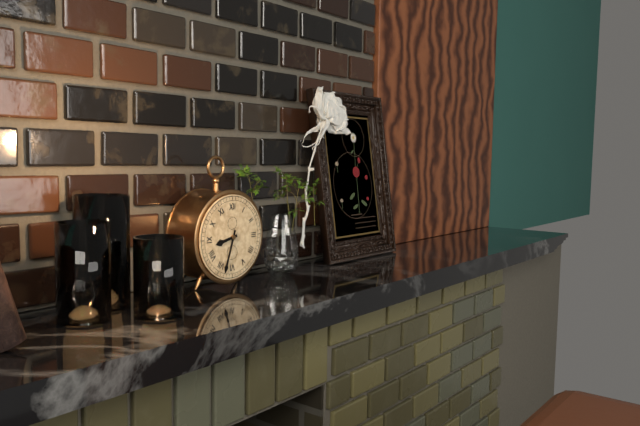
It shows 8.33
